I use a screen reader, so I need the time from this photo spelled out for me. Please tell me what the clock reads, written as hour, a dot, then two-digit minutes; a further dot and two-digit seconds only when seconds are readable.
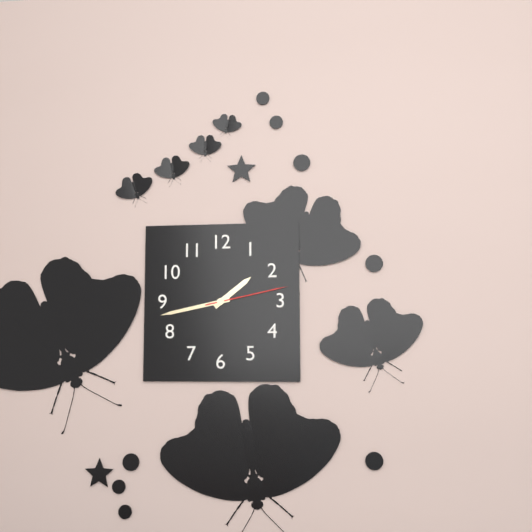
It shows 1.43.13
